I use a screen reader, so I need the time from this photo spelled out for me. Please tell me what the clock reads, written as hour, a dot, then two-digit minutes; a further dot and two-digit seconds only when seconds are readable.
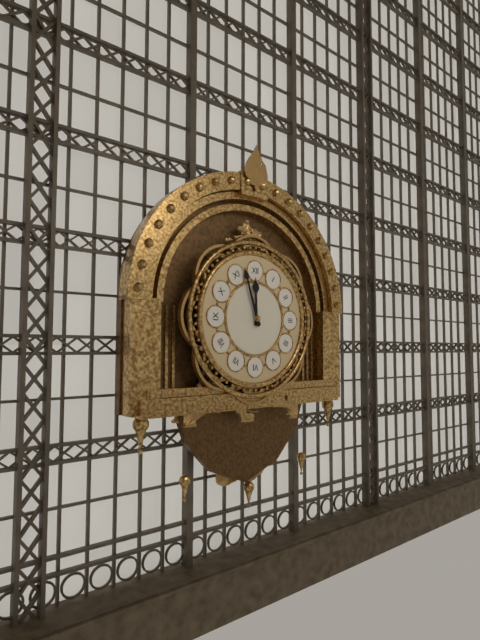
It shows 11.57
